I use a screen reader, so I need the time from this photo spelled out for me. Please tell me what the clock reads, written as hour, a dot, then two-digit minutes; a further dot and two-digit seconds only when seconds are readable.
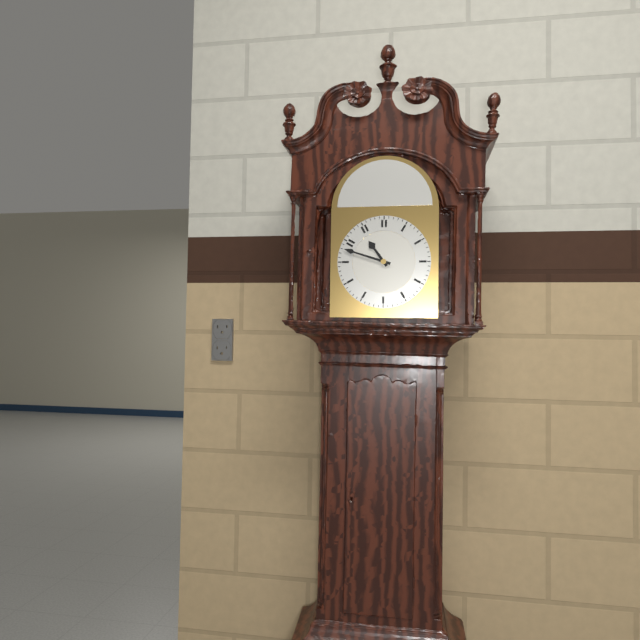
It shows 10.48
